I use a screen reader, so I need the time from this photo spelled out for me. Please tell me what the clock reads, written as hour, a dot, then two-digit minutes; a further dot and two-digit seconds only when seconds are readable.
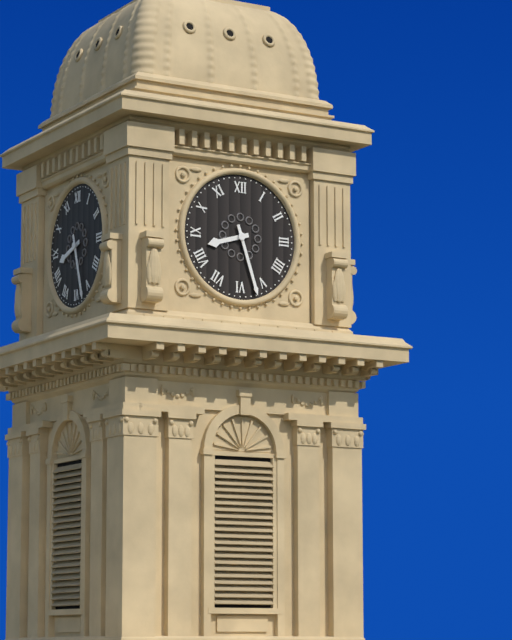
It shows 8.27
